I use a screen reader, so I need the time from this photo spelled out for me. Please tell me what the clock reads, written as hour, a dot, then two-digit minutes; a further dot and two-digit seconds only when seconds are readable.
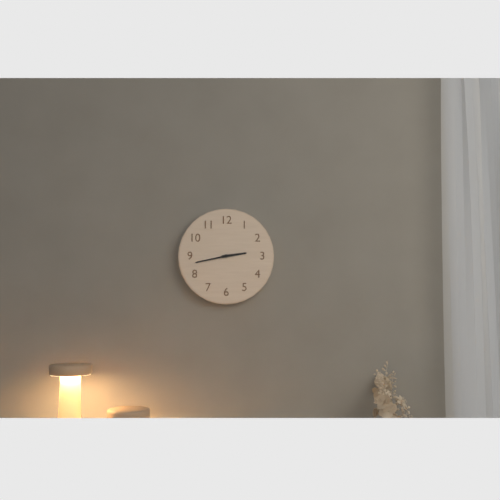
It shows 2.43
